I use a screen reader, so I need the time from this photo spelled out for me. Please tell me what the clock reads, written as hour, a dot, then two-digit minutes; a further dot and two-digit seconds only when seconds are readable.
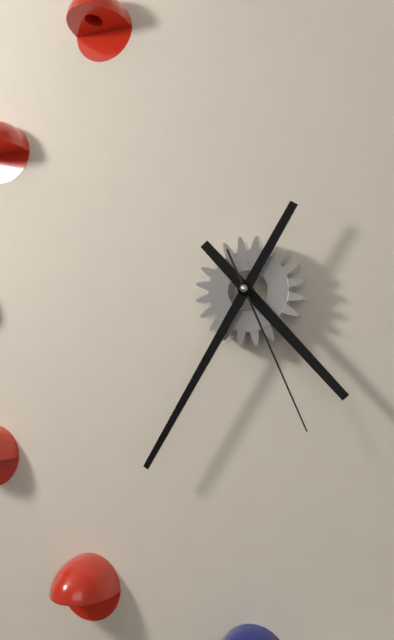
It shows 4.35.26
